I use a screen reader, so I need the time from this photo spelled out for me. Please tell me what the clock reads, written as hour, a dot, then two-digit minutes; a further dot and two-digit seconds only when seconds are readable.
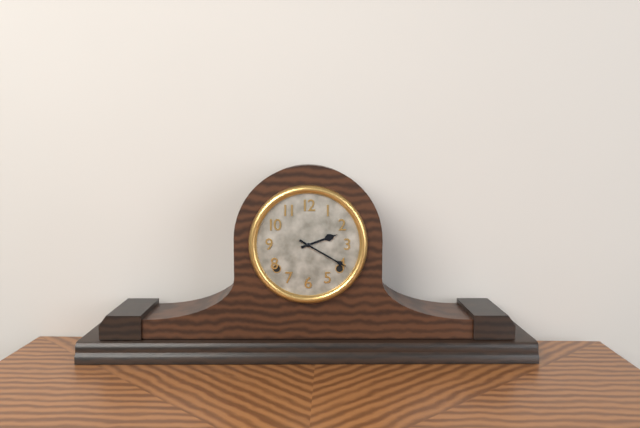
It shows 2.20
